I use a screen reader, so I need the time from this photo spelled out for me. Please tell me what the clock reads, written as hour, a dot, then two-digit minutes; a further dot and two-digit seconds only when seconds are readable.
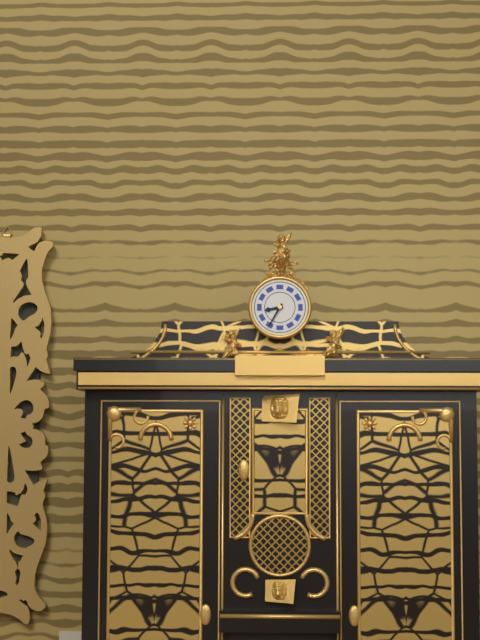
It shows 8.35
